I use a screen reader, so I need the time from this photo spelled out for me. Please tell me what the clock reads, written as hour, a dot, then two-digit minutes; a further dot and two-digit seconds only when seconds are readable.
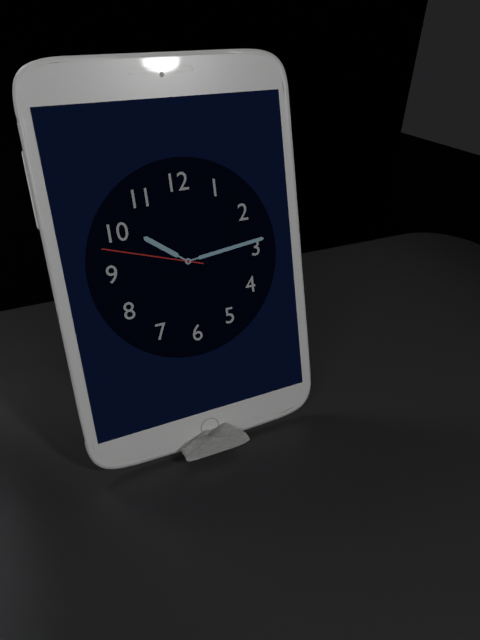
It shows 10.14.48
